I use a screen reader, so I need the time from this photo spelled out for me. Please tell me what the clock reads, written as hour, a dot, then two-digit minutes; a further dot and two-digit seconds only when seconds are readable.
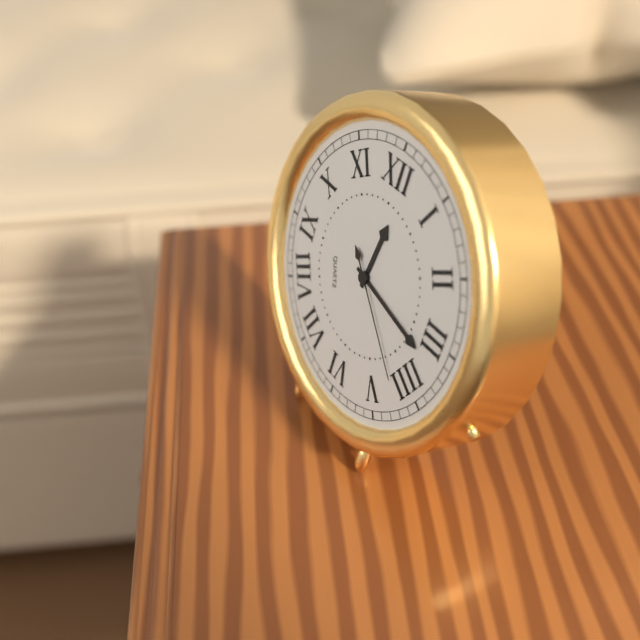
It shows 12.17.22
